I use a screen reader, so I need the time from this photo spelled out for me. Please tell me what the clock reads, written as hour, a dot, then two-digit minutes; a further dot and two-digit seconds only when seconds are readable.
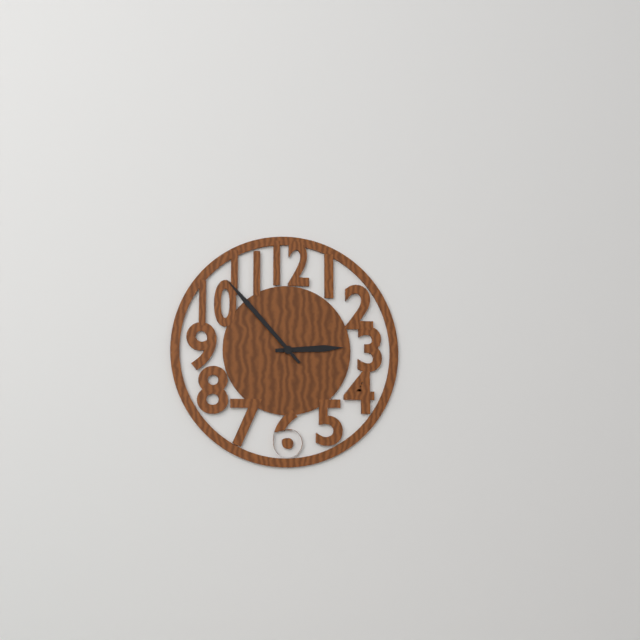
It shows 2.53
